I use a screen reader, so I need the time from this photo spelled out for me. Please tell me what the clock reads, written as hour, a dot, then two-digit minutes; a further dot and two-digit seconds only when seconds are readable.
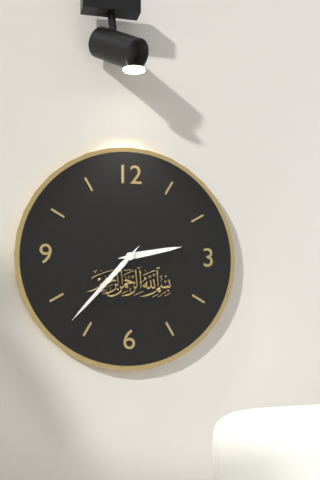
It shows 2.37
